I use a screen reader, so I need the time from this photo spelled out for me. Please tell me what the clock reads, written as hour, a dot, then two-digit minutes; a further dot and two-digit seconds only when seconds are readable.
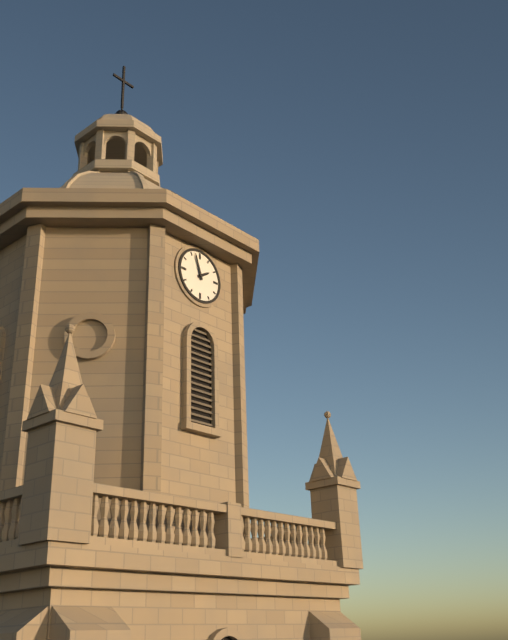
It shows 1.57
